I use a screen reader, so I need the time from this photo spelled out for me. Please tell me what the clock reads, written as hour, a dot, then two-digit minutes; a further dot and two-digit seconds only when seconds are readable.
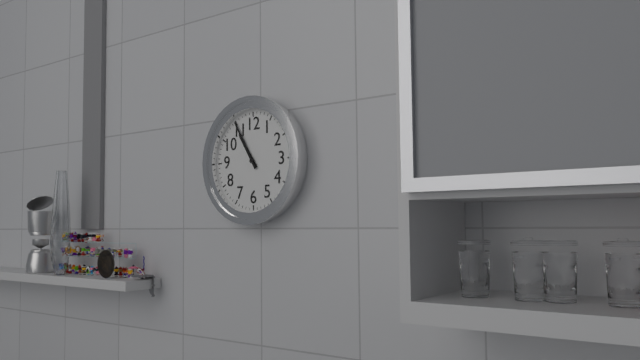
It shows 10.55
